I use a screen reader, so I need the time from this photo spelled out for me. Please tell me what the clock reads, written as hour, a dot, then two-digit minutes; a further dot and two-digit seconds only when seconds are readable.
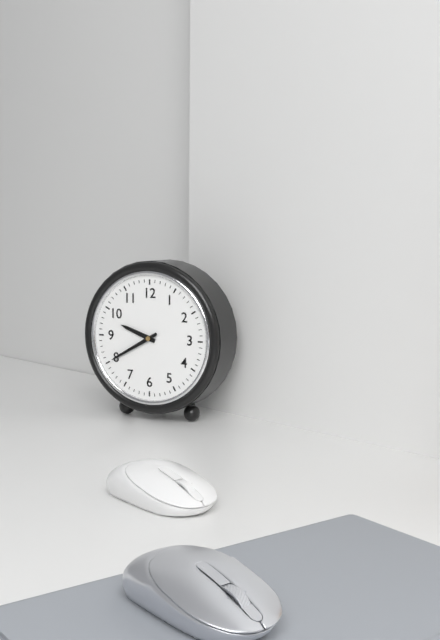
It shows 9.40
